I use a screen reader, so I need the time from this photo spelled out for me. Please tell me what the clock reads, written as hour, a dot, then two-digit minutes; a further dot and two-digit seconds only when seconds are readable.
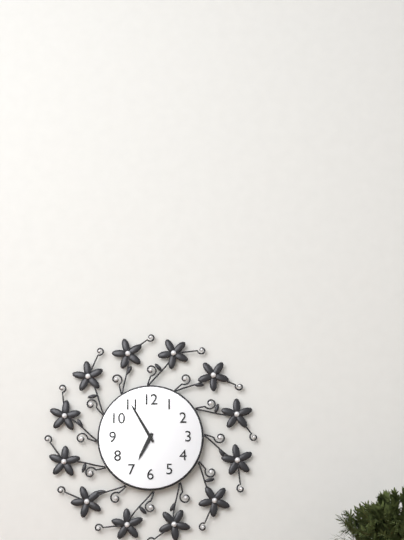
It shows 6.55
